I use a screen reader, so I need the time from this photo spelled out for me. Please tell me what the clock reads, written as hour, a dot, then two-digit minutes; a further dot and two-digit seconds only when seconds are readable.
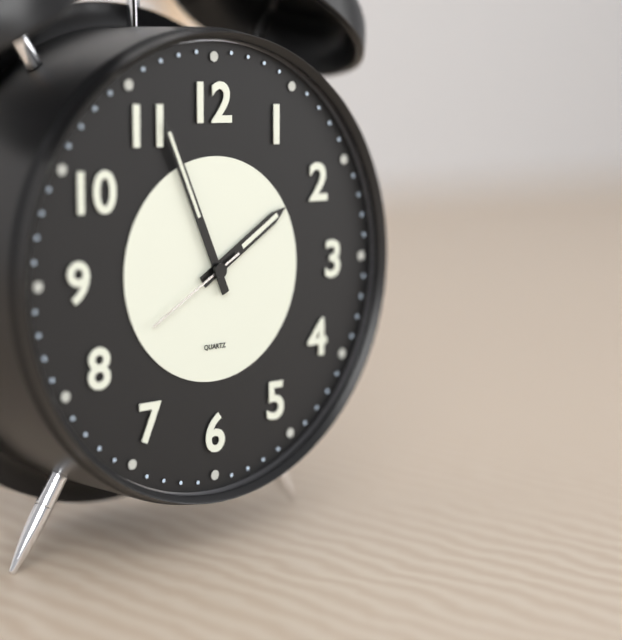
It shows 1.56.40
